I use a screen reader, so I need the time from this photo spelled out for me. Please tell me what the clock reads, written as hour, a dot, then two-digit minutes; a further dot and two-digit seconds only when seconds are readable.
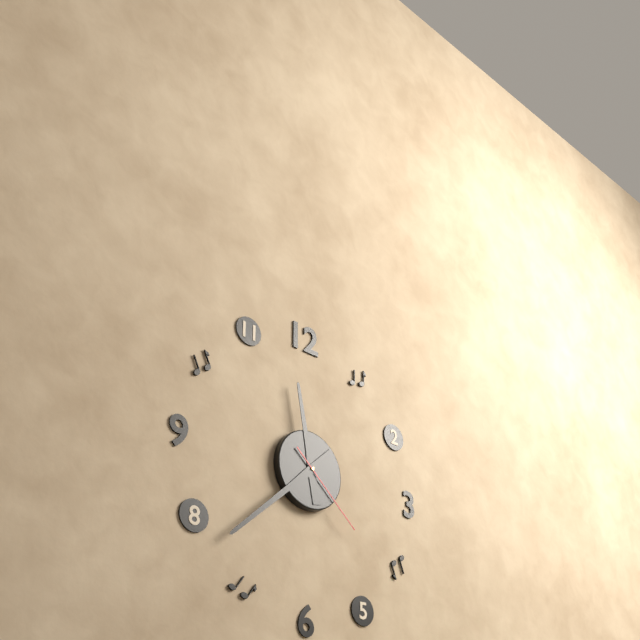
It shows 11.38.22
